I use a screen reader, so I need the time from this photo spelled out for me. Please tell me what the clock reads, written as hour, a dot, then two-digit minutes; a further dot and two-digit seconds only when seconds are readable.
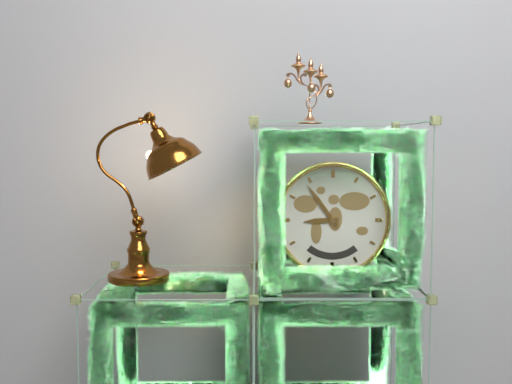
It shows 8.54
